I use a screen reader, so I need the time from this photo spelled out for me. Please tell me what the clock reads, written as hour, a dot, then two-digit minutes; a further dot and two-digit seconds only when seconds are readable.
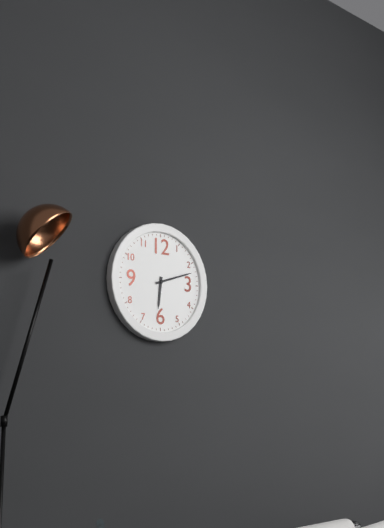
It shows 6.12
